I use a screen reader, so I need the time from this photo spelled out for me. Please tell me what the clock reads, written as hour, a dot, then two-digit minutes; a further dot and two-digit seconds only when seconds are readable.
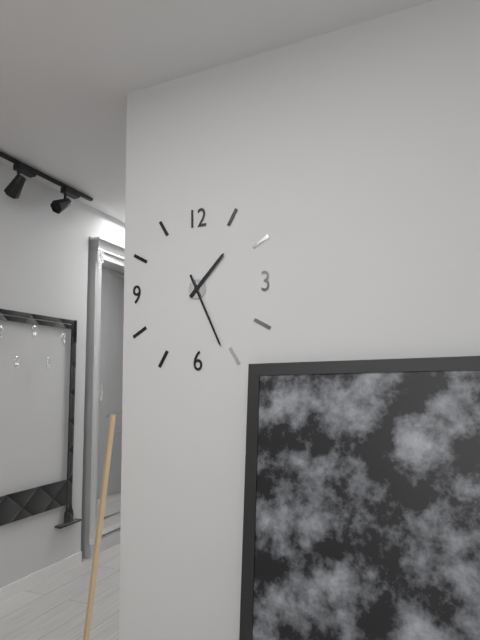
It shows 1.26
